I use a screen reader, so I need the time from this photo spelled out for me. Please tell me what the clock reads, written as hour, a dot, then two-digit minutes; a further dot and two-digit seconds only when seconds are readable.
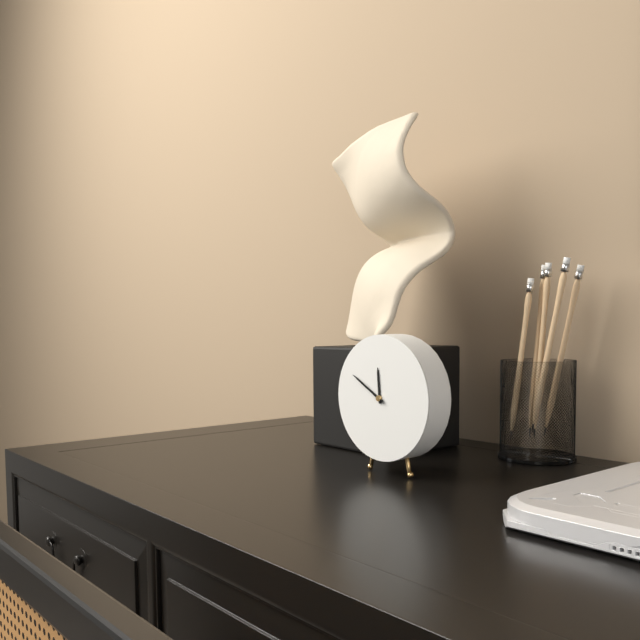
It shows 11.50
